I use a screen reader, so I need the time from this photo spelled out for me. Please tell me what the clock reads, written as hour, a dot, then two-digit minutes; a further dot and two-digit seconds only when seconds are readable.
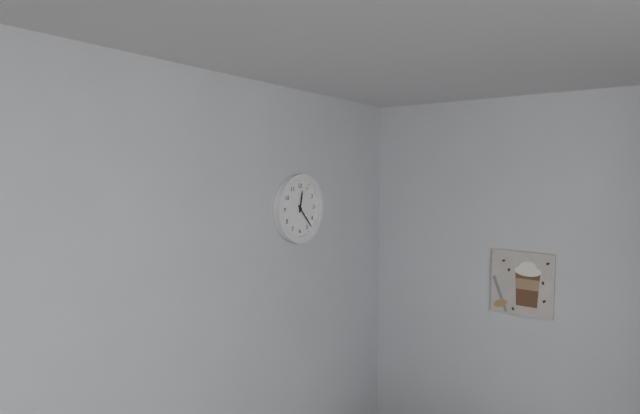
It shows 12.23
